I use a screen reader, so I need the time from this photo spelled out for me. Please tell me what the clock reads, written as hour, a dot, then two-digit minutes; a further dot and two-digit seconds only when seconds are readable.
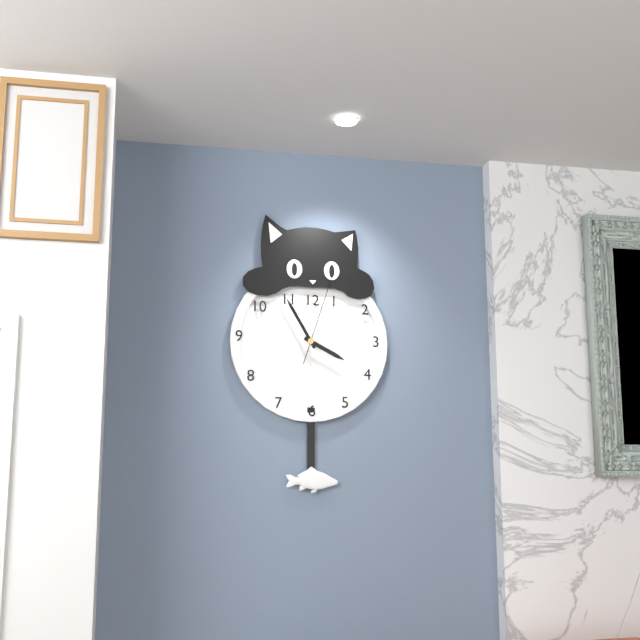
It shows 3.55.03
